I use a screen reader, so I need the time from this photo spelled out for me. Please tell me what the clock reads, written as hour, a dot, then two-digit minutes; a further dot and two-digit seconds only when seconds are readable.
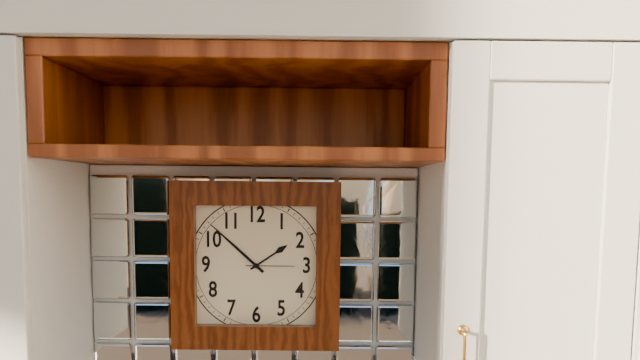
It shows 1.52
